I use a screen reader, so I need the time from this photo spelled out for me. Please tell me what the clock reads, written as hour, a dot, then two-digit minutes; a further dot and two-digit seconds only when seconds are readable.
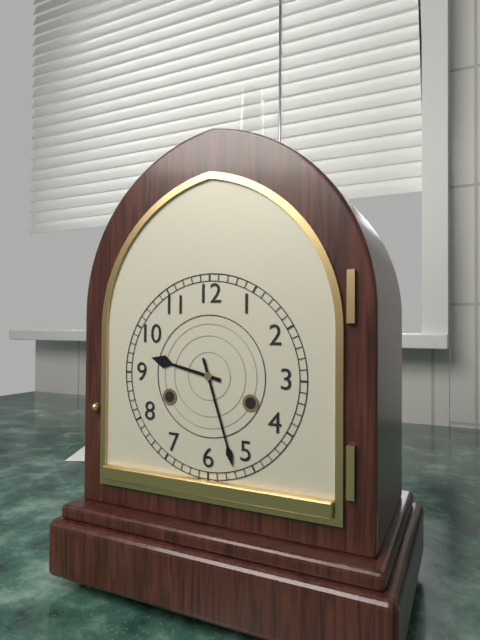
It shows 9.27
